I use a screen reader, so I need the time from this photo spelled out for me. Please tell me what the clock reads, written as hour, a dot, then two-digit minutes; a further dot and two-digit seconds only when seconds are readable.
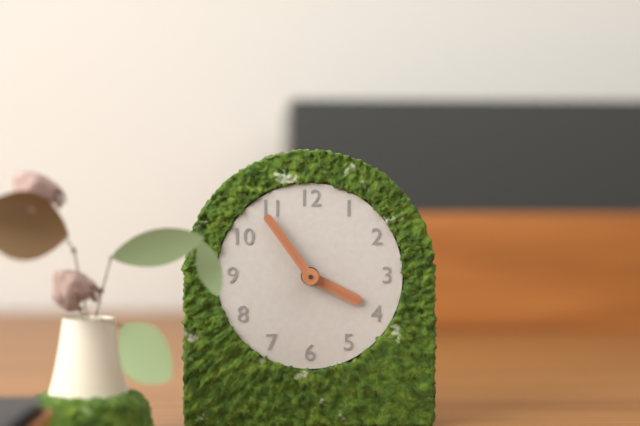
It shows 3.54
